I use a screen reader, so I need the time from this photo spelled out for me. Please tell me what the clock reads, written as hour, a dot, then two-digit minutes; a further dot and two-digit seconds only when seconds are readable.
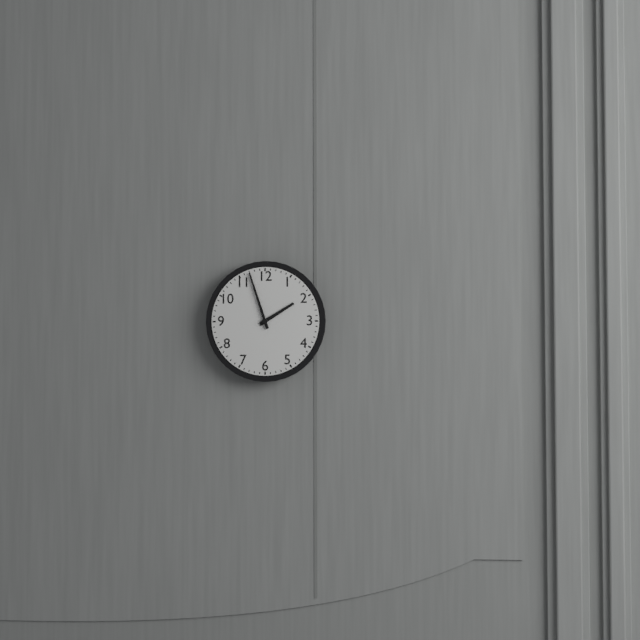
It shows 1.57
